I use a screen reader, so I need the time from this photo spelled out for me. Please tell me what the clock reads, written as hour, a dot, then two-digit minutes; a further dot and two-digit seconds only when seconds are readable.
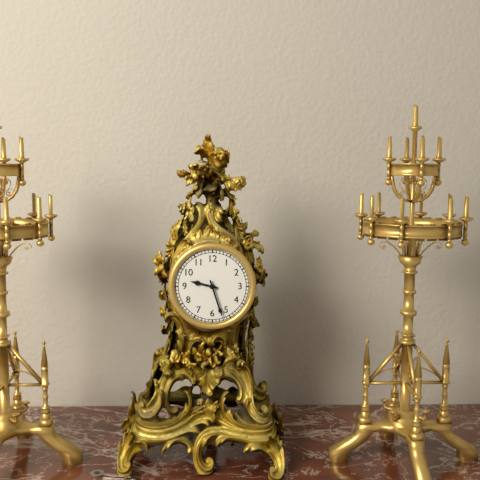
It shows 9.27
